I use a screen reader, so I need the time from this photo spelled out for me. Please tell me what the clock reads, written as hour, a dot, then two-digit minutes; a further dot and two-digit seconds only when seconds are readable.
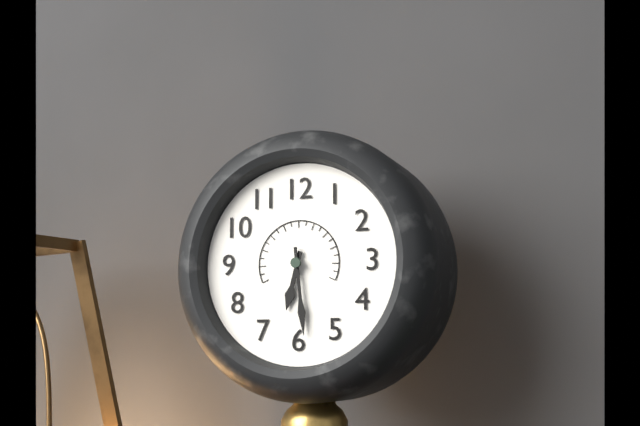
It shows 6.29
